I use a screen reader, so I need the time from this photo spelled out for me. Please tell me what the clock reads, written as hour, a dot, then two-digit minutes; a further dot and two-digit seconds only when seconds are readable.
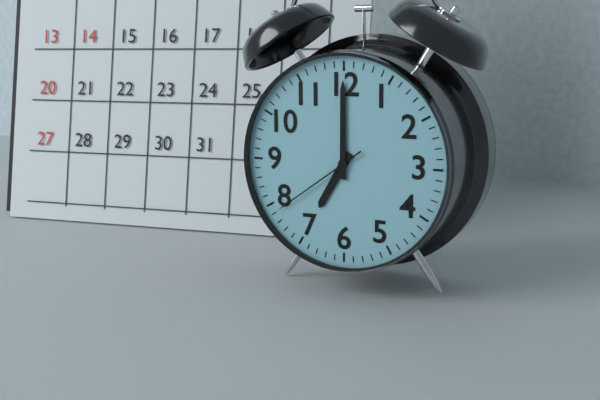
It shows 7.00.39
